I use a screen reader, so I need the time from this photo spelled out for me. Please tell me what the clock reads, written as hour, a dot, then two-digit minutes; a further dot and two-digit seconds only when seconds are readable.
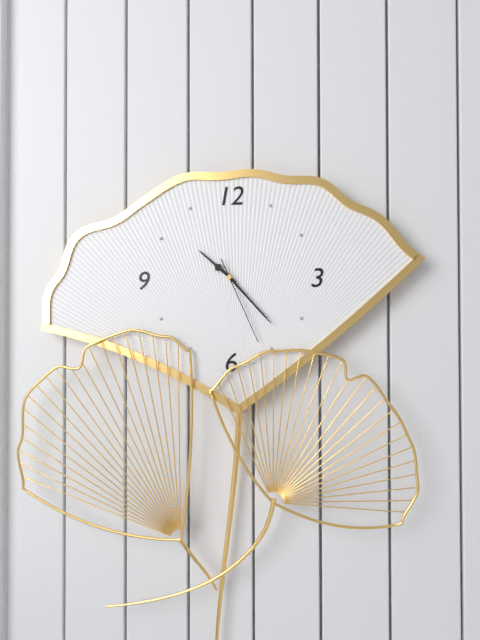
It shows 10.23.26
